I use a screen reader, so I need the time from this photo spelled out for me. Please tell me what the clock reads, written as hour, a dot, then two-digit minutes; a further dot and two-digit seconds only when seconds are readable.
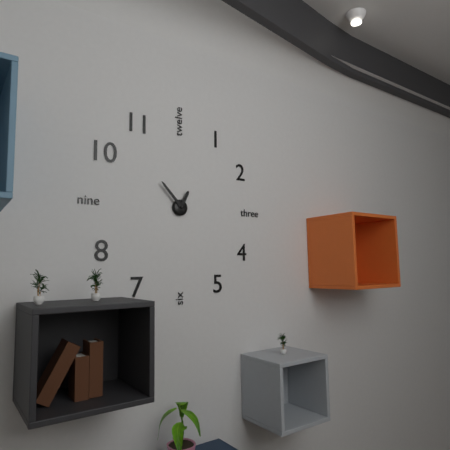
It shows 12.53
